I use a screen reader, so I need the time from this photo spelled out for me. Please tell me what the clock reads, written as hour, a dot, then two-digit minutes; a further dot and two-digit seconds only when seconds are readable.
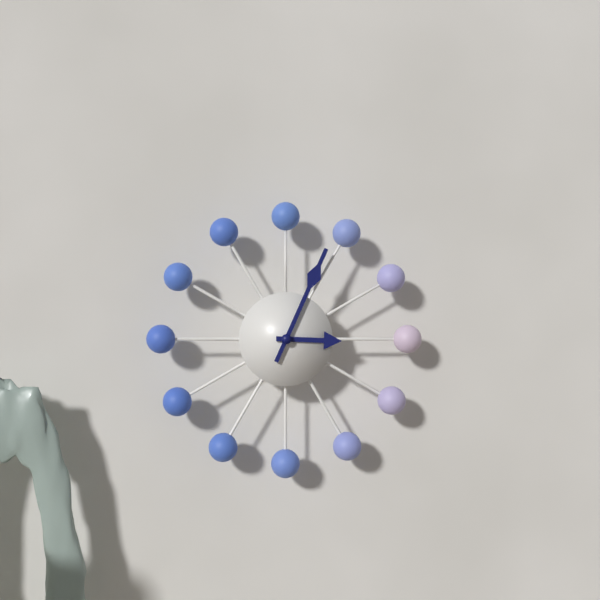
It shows 3.04
